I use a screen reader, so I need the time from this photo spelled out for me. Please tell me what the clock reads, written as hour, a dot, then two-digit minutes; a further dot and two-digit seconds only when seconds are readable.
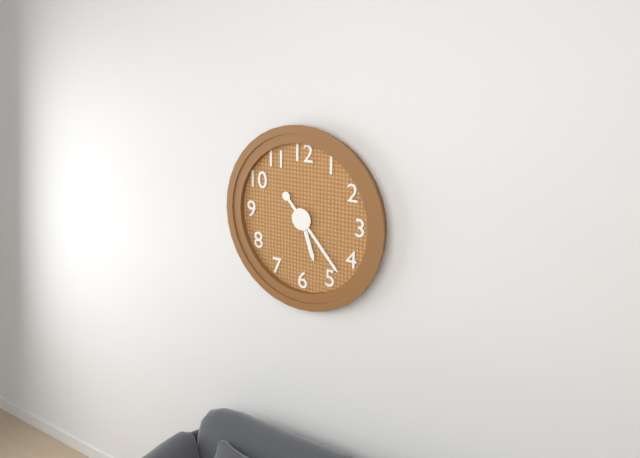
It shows 5.23
